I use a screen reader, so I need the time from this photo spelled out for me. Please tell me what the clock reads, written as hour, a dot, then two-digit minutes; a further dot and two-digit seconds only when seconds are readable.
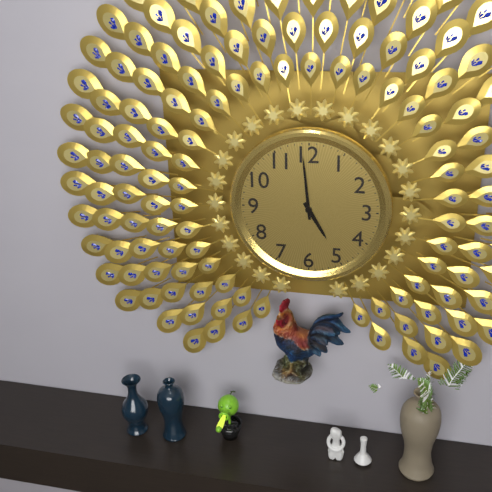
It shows 4.59
